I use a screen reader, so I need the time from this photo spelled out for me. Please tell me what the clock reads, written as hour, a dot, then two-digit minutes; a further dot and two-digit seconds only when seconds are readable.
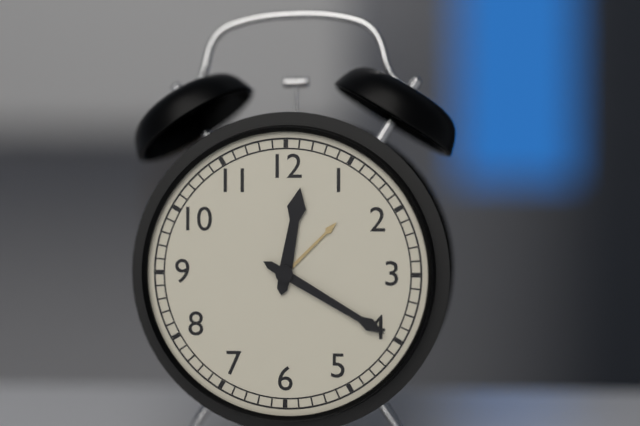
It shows 12.20
